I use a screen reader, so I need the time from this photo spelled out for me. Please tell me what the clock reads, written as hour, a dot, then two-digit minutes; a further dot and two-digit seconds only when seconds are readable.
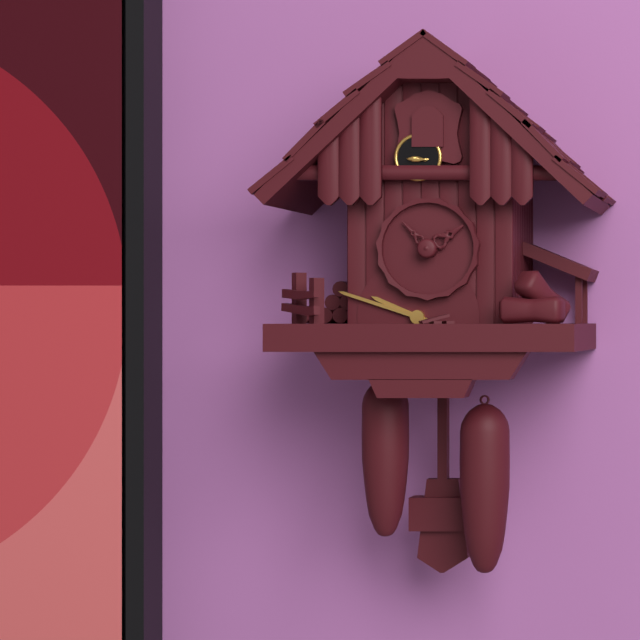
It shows 9.48
